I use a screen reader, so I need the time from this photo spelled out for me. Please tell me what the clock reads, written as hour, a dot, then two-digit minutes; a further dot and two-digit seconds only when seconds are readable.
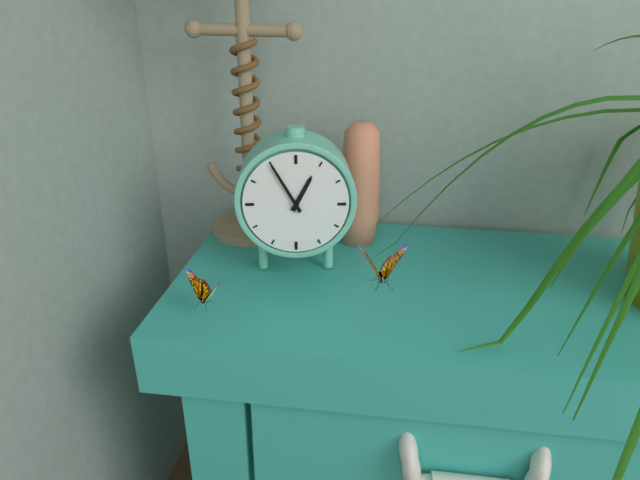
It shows 12.55
